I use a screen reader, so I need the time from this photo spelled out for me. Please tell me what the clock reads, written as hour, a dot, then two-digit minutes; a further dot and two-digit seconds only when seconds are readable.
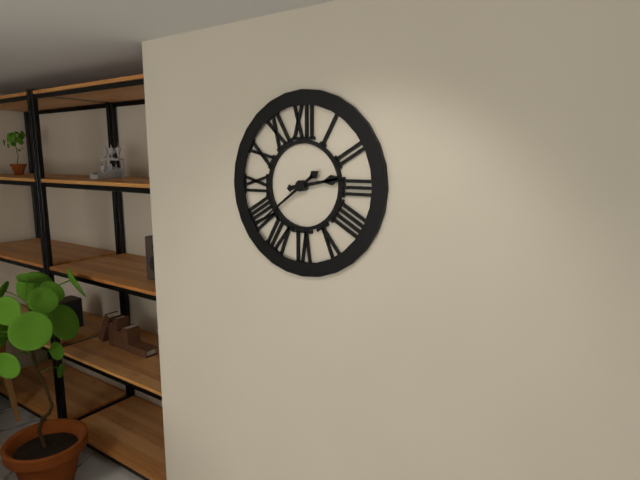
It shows 2.39
